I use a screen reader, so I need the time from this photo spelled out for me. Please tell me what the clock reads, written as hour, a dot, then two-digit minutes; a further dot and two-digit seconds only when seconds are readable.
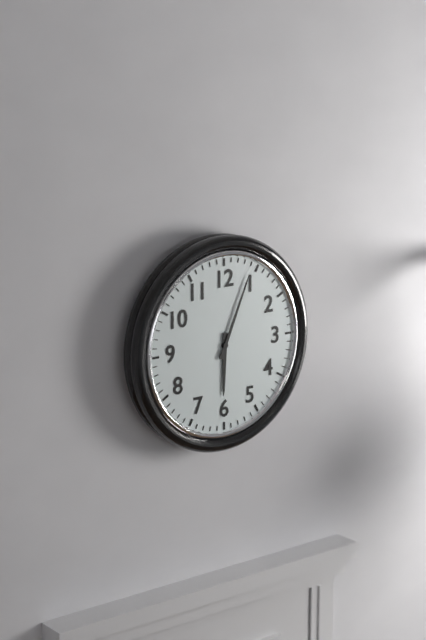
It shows 6.04
